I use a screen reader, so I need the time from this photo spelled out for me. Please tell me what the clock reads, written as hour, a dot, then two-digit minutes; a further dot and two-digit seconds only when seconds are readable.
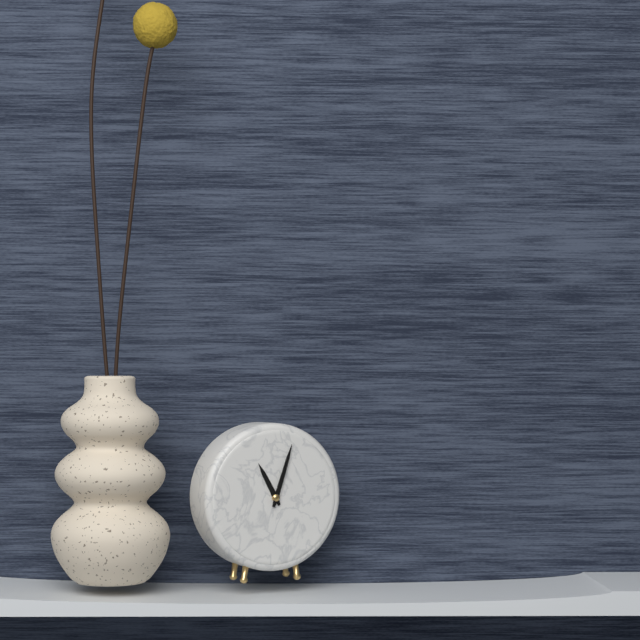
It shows 11.03
